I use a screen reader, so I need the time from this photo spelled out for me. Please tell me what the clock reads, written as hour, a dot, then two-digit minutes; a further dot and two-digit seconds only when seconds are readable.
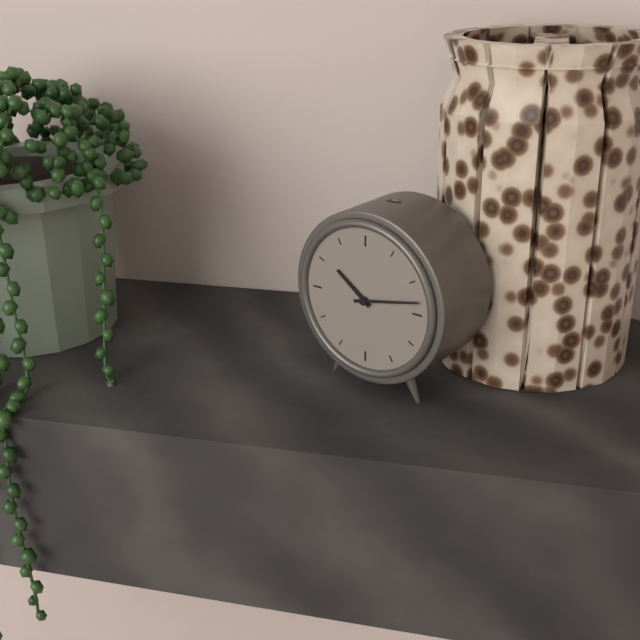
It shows 10.13
